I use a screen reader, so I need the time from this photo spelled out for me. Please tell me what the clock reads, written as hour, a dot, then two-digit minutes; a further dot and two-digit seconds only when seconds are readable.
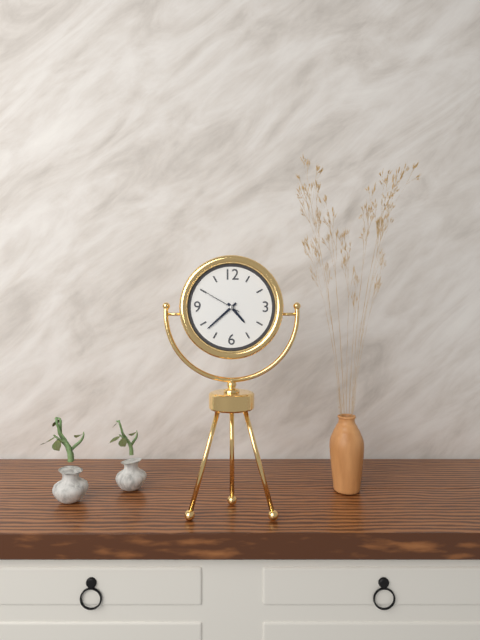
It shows 4.38
